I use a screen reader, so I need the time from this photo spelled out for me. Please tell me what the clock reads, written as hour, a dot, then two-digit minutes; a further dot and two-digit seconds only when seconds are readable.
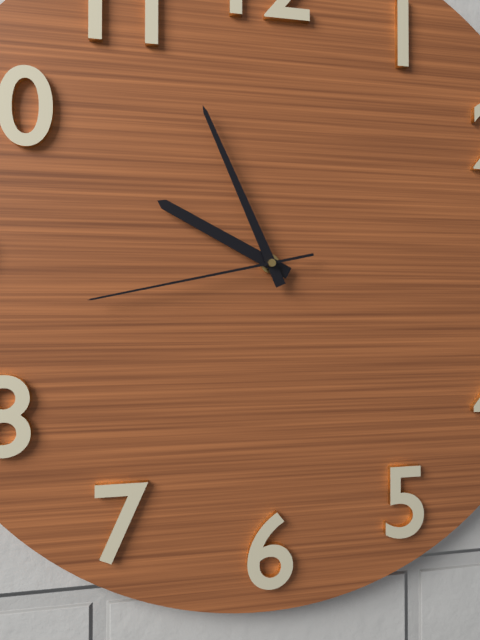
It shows 9.56.43
